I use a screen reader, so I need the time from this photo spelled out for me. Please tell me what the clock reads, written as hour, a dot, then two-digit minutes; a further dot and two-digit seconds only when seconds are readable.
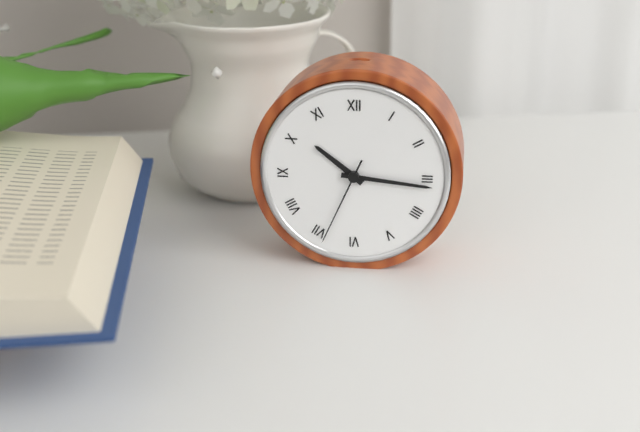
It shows 10.16.34
